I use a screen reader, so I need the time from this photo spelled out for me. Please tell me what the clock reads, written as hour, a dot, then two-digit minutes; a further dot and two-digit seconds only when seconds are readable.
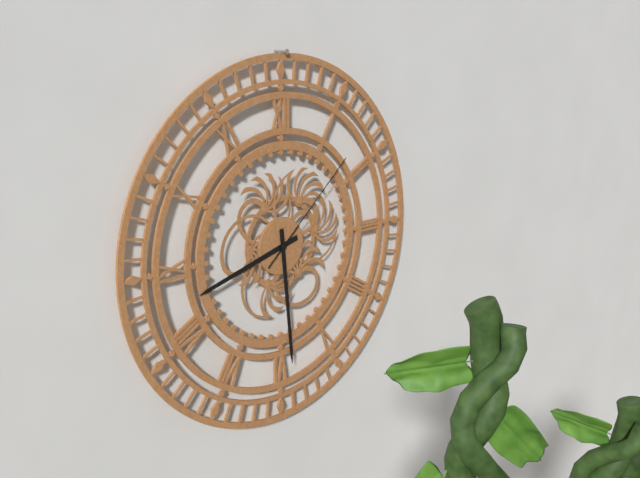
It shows 8.29.08
